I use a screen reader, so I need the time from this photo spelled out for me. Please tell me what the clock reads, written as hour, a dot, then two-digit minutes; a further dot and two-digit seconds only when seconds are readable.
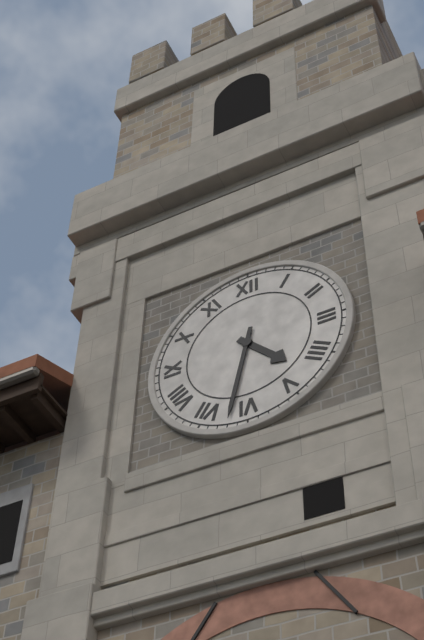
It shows 4.32
